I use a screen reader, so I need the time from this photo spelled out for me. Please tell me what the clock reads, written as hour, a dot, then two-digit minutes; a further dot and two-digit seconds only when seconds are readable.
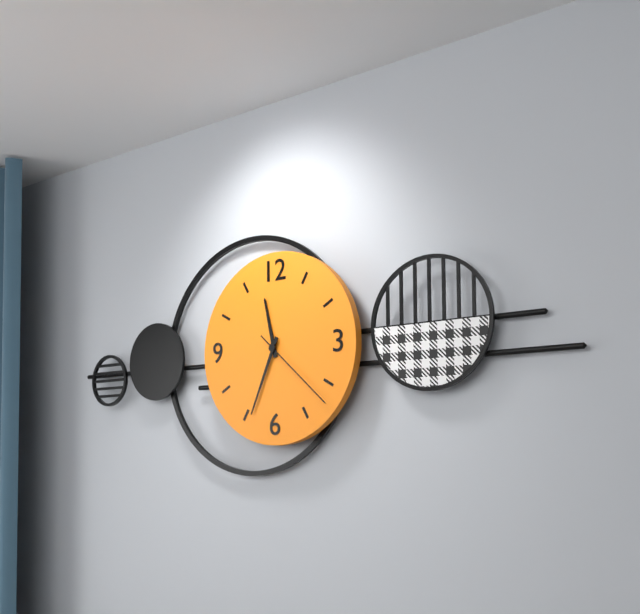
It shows 11.34.22
